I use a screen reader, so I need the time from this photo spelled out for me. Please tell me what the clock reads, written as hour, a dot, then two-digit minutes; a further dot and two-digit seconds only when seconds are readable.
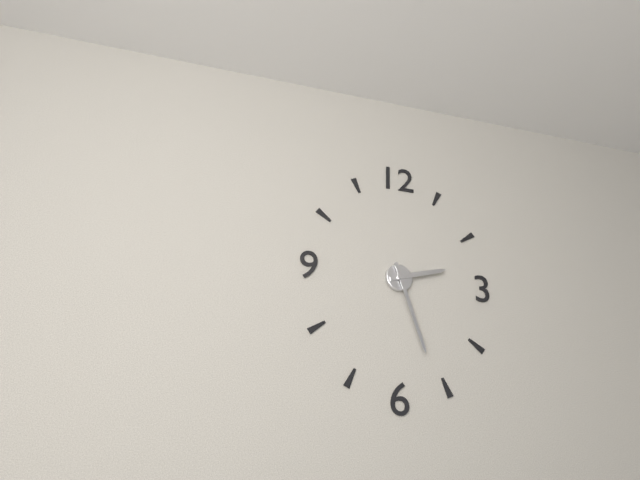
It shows 2.27
